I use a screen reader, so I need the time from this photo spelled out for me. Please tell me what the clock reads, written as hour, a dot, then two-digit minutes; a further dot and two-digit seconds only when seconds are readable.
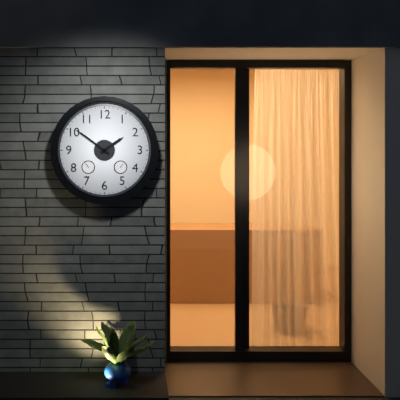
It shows 1.51
